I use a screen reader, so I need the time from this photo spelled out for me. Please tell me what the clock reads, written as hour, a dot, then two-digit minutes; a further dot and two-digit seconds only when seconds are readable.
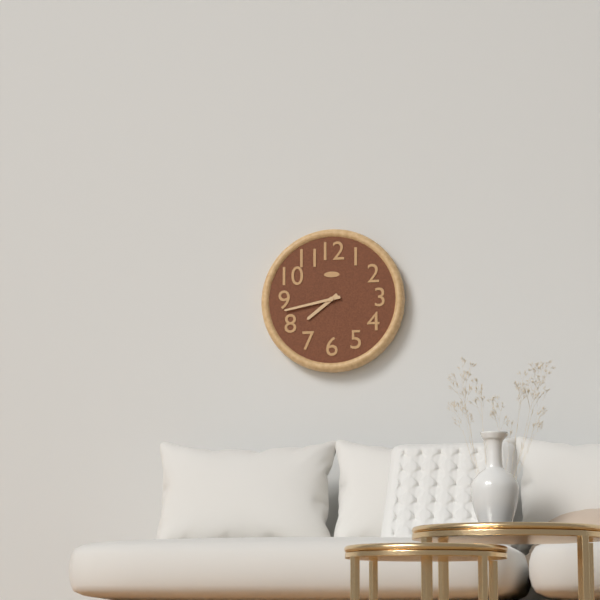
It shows 7.43
